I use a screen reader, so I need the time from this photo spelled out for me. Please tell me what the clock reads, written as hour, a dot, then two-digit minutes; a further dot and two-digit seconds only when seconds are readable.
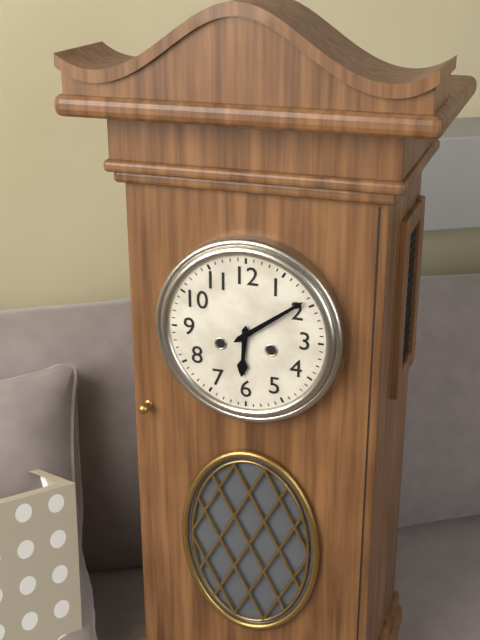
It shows 6.09
